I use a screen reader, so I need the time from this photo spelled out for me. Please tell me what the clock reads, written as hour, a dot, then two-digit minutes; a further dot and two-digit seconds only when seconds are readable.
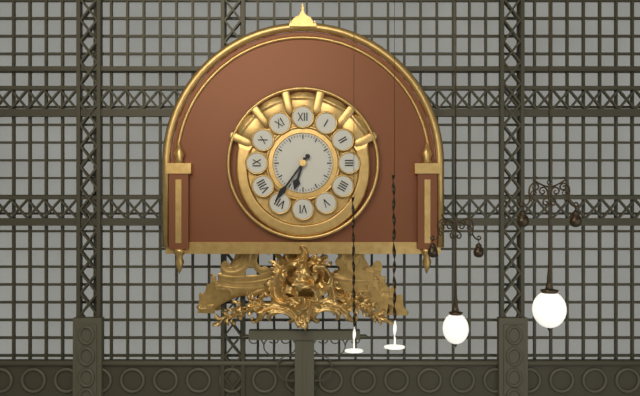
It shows 6.36
